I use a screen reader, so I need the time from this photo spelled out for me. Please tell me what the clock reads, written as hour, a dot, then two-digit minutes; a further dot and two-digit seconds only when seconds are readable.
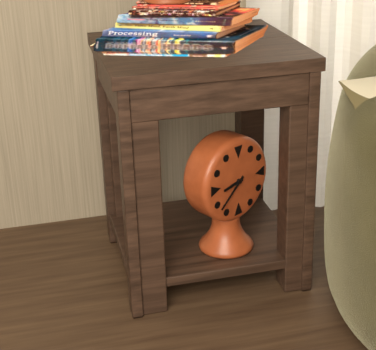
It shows 8.38
